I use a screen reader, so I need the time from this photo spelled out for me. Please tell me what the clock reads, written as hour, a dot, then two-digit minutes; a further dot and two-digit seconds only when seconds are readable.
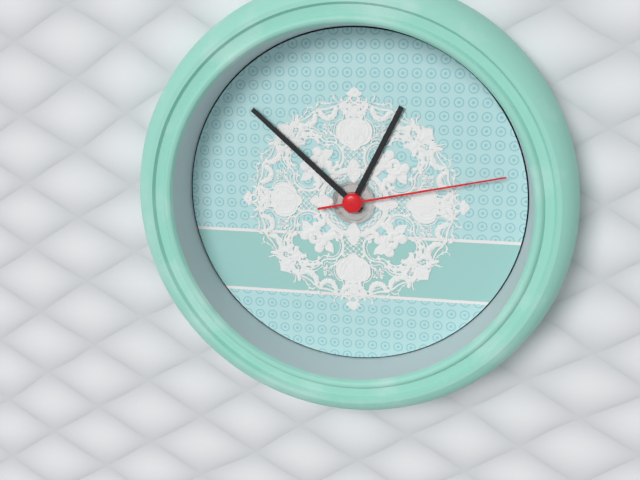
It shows 12.52.13
